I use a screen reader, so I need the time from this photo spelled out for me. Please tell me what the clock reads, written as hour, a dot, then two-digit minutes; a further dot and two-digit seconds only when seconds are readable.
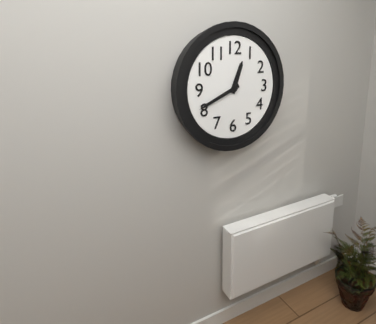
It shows 12.41
